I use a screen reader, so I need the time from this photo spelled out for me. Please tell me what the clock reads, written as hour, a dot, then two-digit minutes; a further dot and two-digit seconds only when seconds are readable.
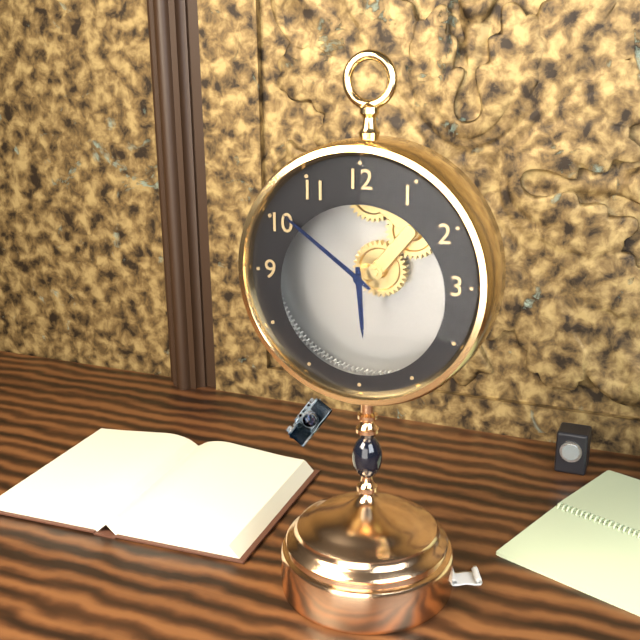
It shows 5.51
